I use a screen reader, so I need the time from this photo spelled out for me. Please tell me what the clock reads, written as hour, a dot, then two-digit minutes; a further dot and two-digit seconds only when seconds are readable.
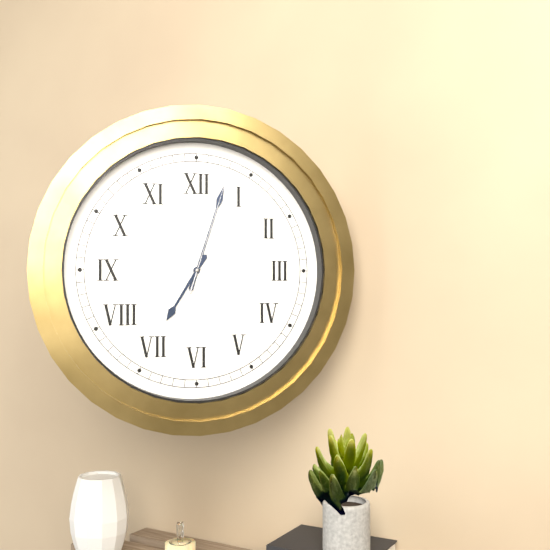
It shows 7.03.03
